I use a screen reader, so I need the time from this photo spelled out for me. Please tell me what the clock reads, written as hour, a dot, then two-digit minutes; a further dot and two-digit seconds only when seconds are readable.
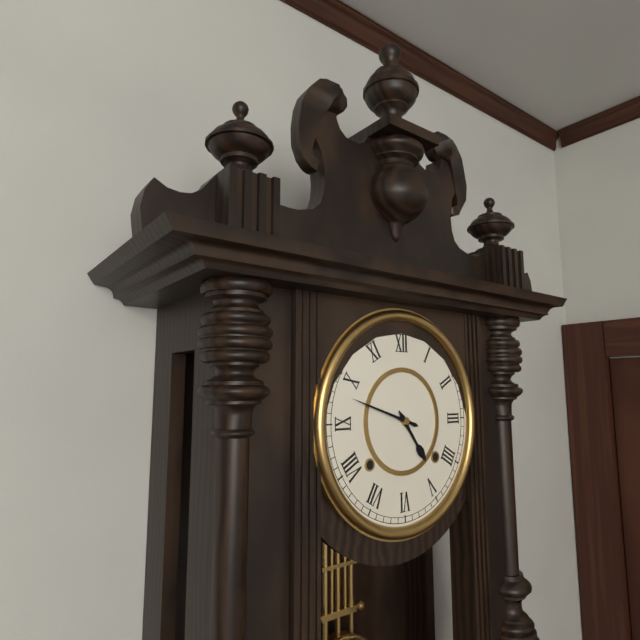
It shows 4.48
